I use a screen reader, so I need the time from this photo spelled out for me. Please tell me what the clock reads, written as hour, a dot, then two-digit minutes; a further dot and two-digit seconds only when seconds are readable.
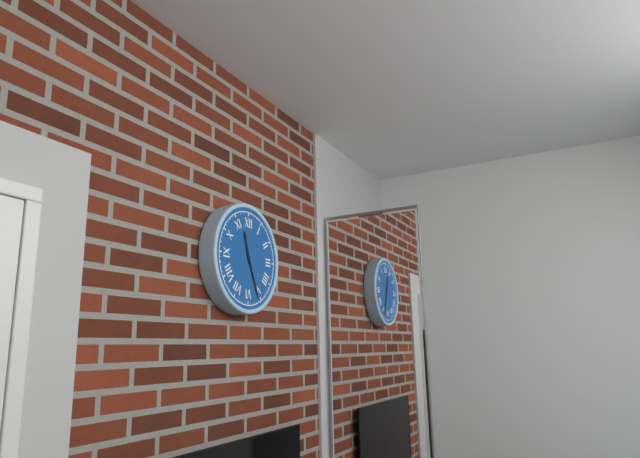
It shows 11.26
